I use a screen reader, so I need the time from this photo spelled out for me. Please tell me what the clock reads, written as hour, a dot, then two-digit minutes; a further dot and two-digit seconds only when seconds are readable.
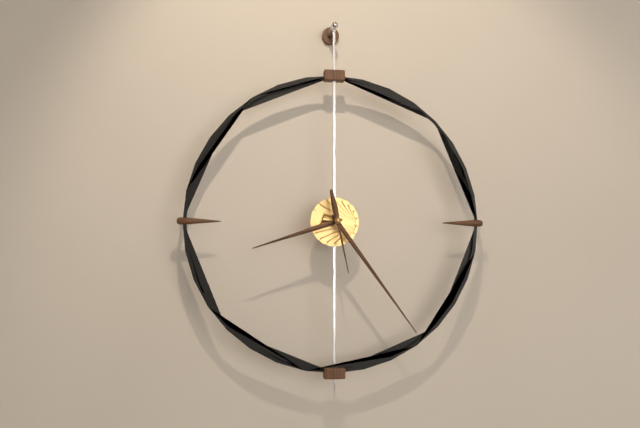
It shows 8.24.28
